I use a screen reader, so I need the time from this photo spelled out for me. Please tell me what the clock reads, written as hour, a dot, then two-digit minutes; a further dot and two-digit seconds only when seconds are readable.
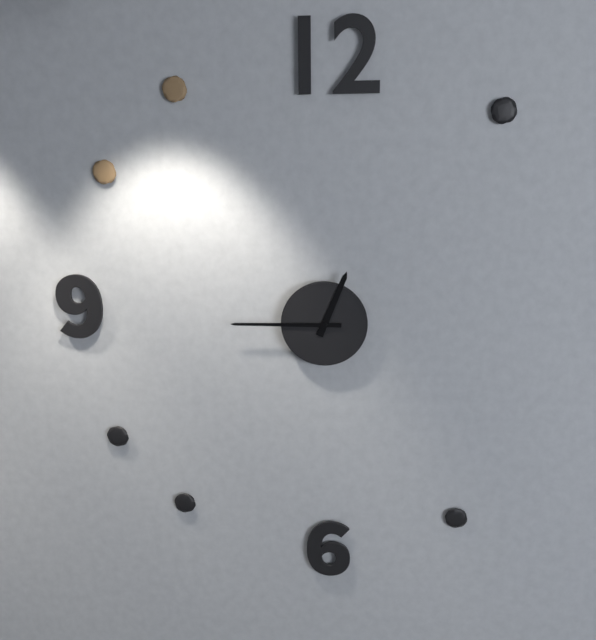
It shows 12.45
